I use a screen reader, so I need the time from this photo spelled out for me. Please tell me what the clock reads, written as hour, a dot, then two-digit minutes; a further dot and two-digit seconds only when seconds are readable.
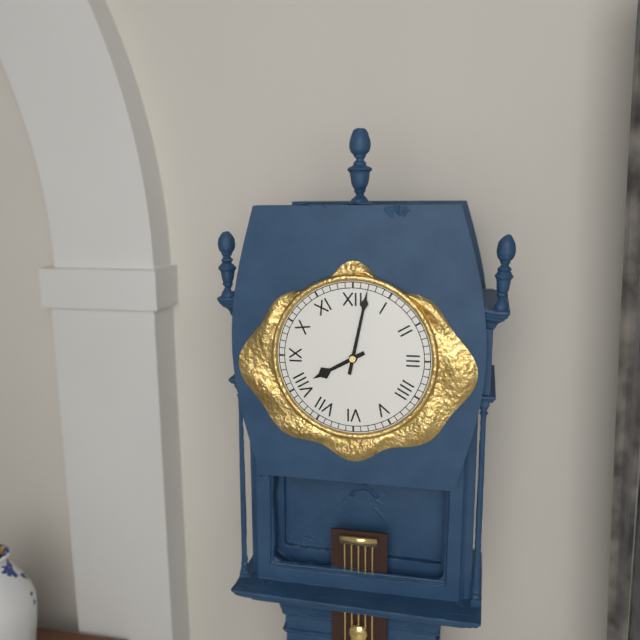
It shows 8.02
